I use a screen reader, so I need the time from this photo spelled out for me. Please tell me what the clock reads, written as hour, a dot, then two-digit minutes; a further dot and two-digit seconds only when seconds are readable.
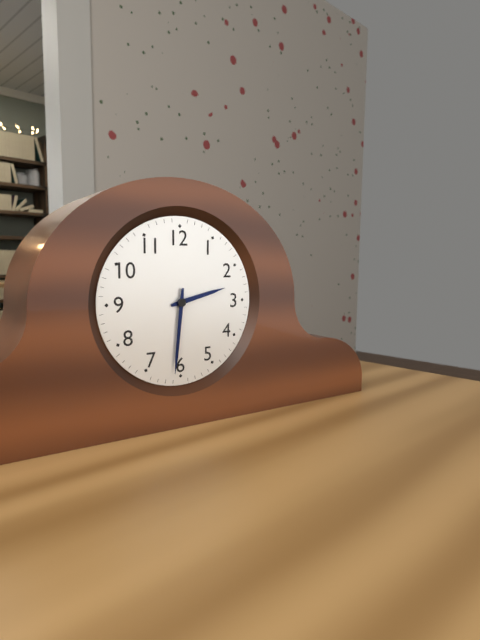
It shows 2.31
